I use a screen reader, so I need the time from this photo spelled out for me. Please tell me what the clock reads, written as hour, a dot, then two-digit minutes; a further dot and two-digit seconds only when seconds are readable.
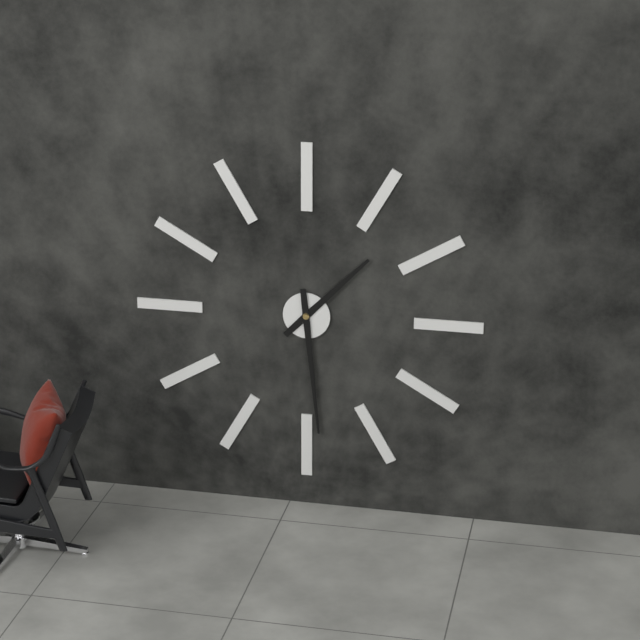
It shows 1.29
